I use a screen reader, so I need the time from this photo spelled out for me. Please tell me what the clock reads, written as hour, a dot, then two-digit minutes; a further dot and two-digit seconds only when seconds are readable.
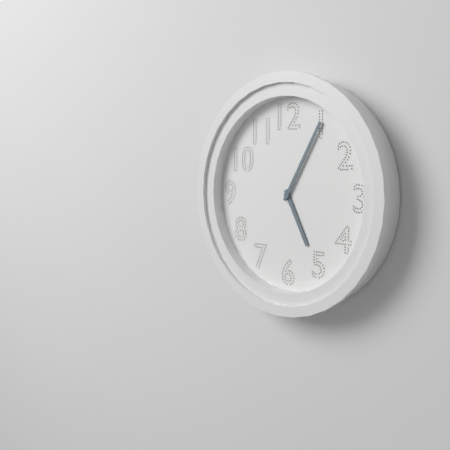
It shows 5.05
